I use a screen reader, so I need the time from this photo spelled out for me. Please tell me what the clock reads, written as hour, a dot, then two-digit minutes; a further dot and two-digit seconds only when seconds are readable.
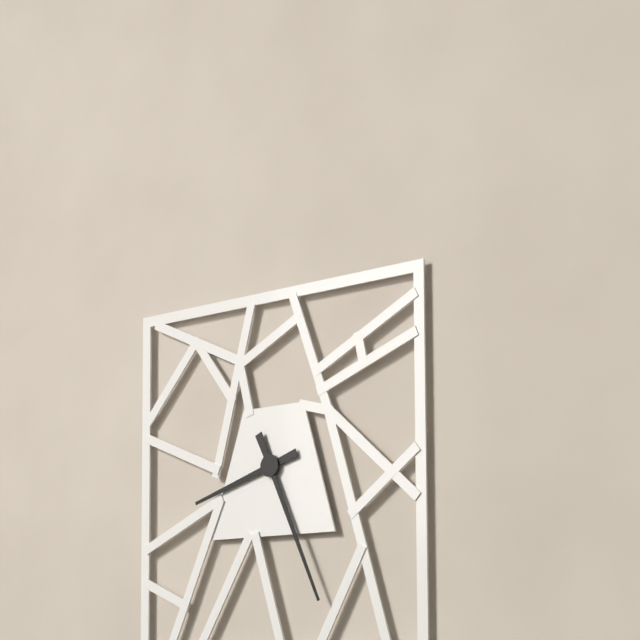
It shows 8.26
